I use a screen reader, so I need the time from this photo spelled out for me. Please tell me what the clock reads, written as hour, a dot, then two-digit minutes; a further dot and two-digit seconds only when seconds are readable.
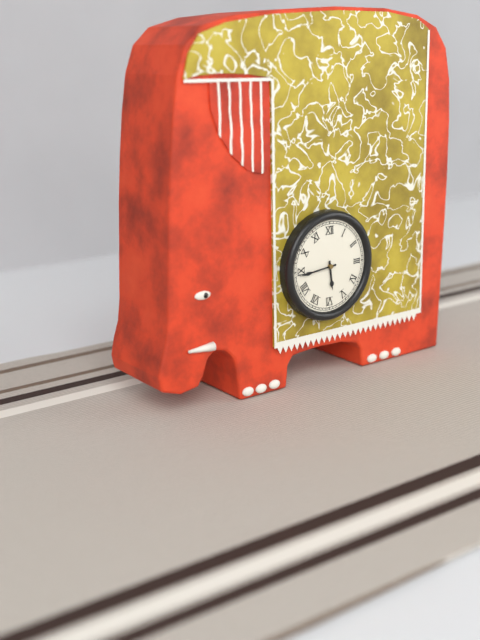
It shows 5.44
